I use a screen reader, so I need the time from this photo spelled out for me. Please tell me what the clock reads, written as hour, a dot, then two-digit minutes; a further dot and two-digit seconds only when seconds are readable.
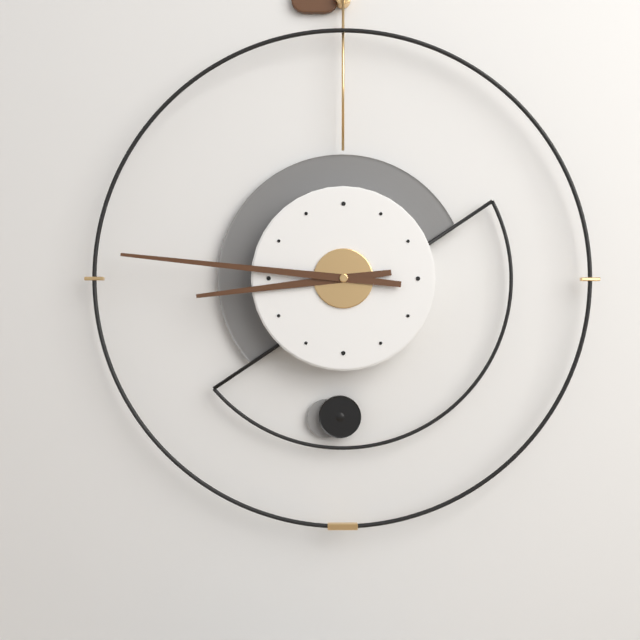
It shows 8.46
